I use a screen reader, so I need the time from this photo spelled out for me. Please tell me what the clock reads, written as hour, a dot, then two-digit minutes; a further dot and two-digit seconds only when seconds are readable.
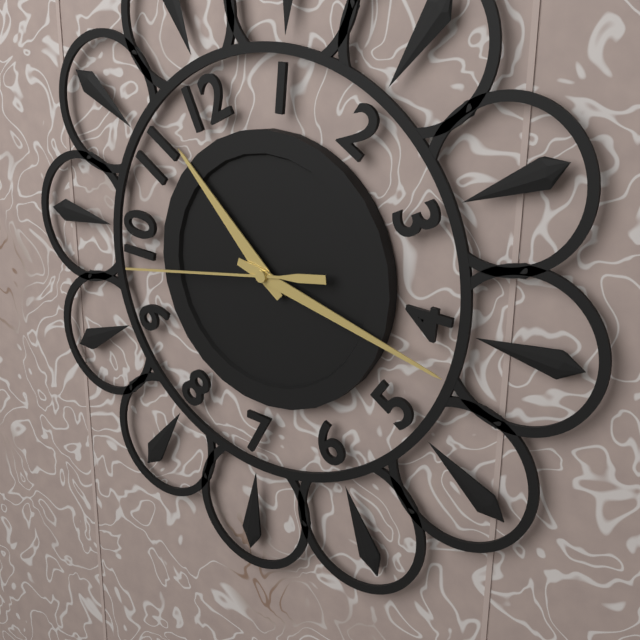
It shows 11.22.48
